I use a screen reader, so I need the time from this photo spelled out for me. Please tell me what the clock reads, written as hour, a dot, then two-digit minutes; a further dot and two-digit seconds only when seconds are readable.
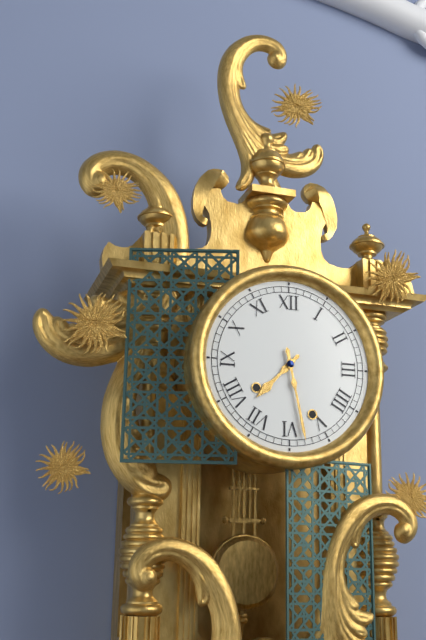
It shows 7.28
